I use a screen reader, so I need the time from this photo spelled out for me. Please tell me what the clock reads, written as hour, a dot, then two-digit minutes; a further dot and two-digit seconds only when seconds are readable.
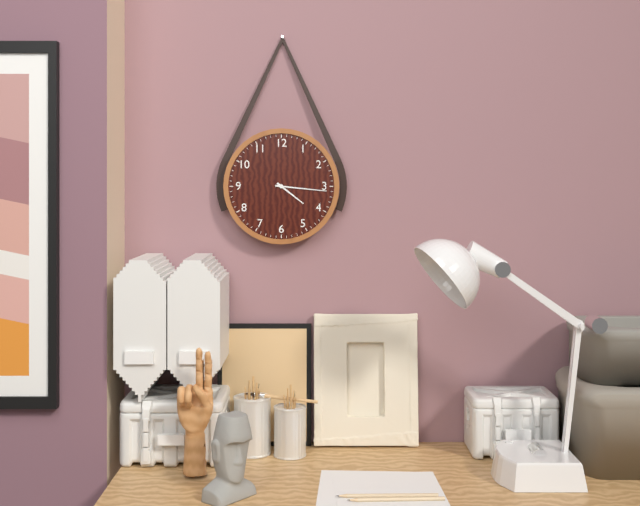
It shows 4.16
